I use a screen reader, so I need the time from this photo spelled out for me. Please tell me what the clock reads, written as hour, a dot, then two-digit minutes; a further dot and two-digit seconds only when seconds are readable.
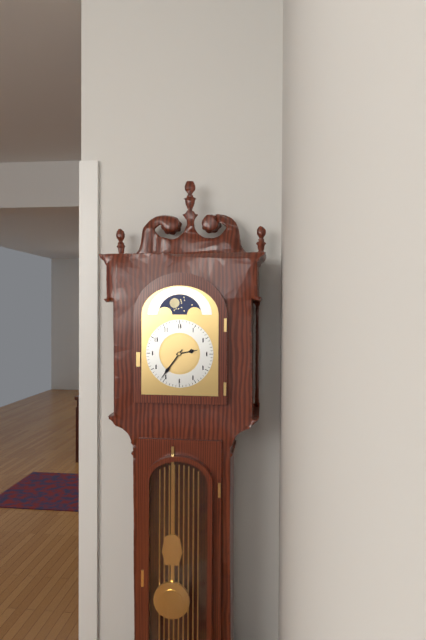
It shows 2.36
